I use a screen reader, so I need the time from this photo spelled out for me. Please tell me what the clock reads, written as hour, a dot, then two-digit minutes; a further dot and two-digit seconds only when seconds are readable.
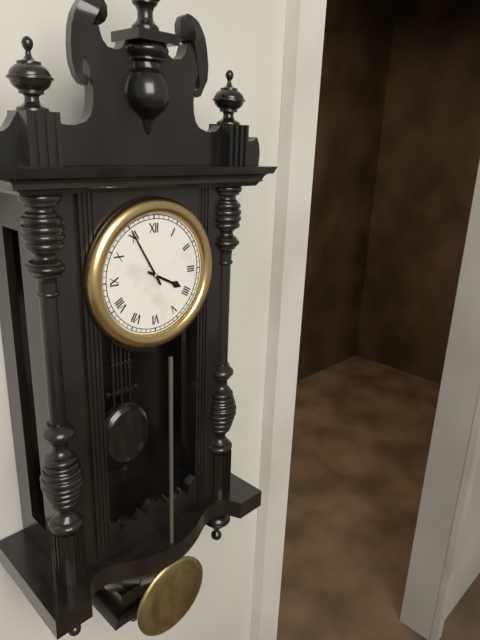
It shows 3.55
